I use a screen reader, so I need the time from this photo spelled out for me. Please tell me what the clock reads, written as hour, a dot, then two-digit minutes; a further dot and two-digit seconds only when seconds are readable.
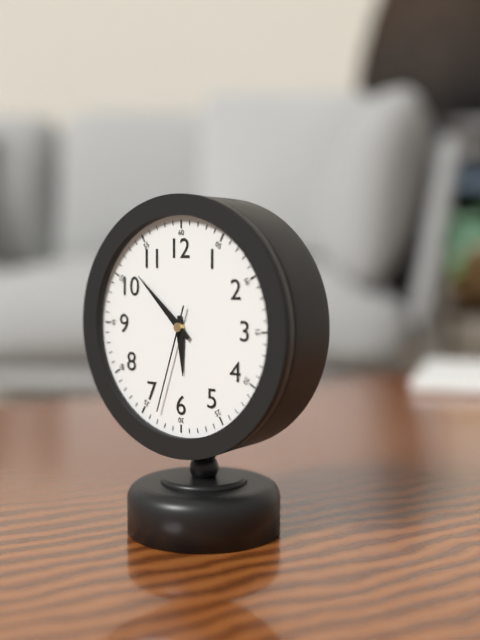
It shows 5.52.33
